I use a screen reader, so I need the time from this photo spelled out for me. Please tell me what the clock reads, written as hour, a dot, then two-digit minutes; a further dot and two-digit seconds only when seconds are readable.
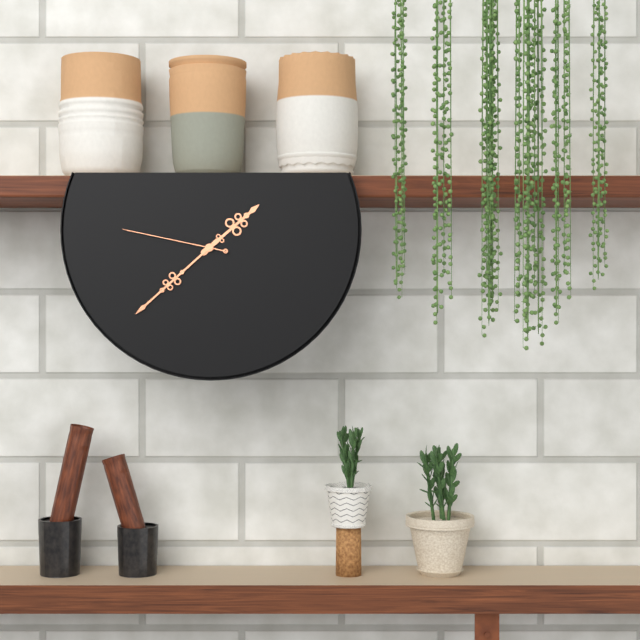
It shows 1.38.47
